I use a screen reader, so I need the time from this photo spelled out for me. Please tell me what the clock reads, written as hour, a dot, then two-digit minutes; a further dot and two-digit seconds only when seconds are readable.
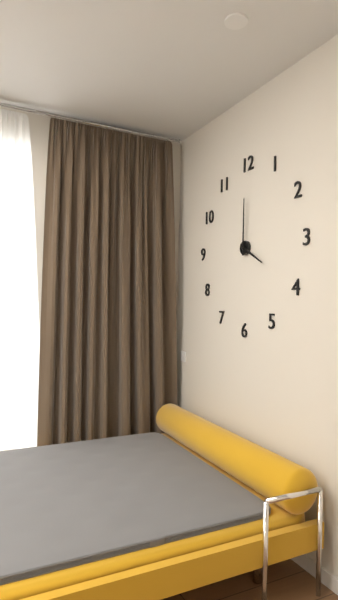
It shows 4.00
